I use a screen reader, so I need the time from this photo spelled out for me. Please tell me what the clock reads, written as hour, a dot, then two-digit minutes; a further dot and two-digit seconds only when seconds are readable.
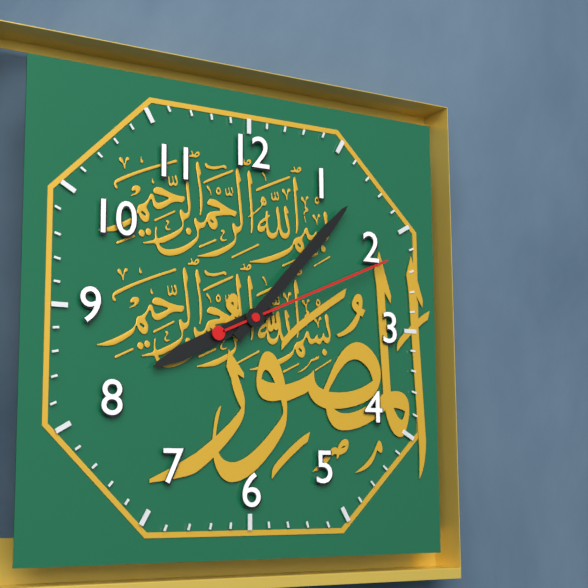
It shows 8.07.11
